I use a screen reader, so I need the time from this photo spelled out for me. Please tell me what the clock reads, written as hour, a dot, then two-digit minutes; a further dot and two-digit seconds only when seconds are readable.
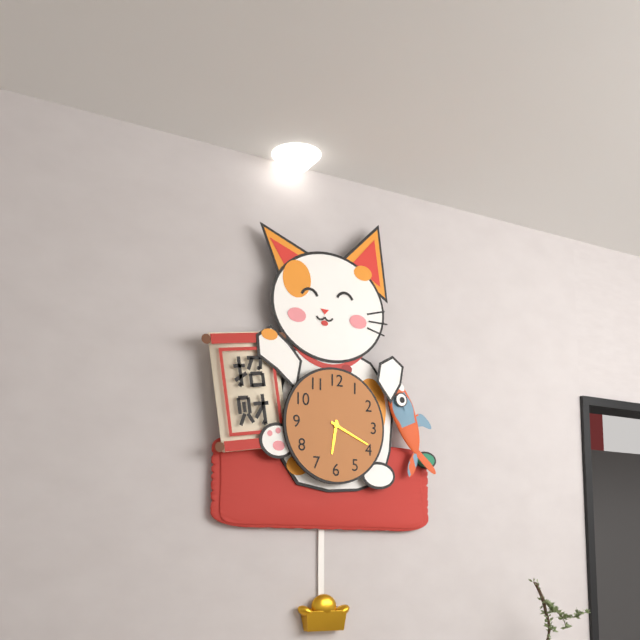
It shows 6.19
